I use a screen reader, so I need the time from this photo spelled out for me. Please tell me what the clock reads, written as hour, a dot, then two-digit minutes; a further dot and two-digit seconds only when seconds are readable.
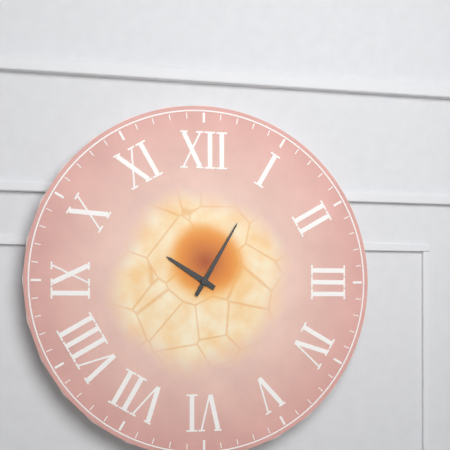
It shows 10.05
